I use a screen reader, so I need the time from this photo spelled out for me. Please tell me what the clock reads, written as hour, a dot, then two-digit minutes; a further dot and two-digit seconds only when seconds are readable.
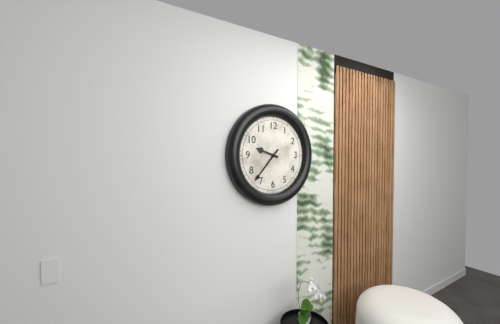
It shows 9.37
